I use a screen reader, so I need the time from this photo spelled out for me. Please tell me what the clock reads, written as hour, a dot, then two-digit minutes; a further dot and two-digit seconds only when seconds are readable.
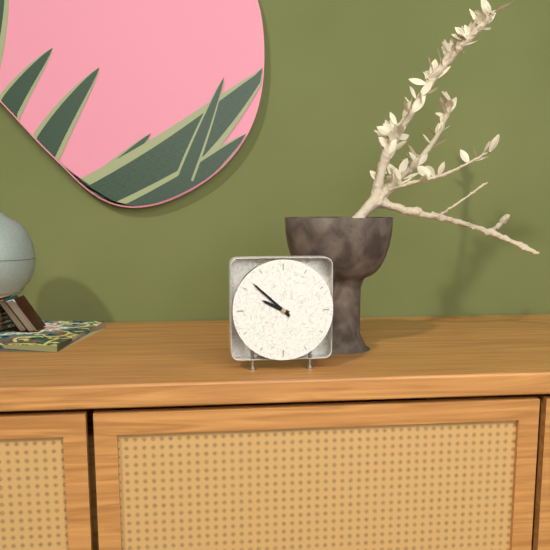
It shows 9.52
